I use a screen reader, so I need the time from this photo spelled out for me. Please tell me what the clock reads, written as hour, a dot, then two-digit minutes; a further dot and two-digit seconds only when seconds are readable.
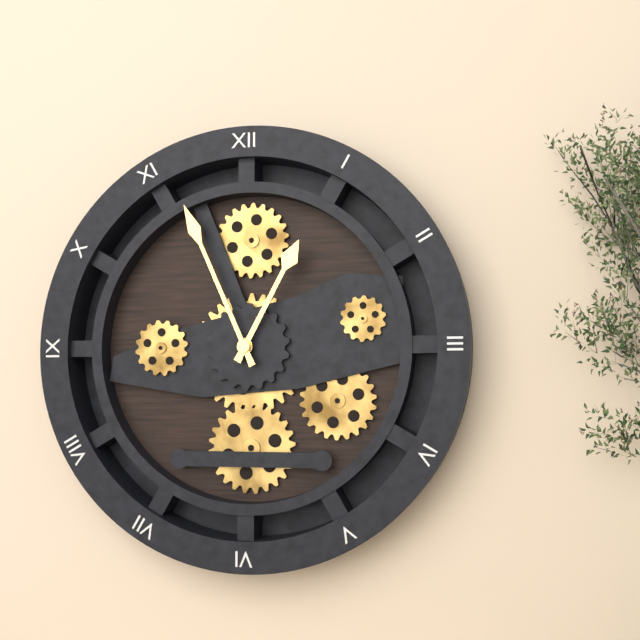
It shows 12.56
